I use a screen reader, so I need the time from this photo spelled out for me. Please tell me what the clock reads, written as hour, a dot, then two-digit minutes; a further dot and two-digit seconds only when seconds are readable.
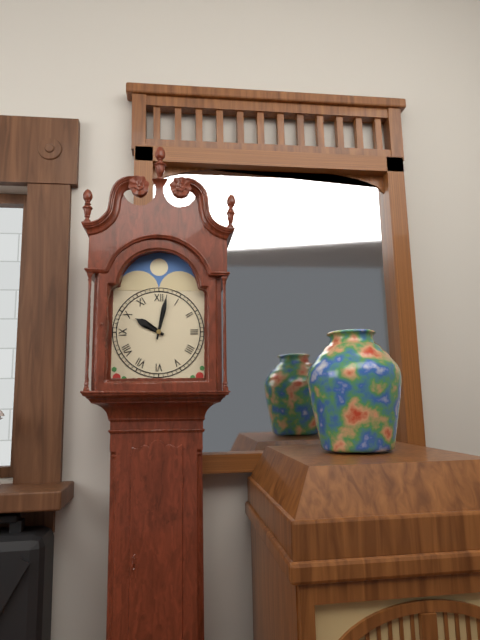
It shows 10.02
